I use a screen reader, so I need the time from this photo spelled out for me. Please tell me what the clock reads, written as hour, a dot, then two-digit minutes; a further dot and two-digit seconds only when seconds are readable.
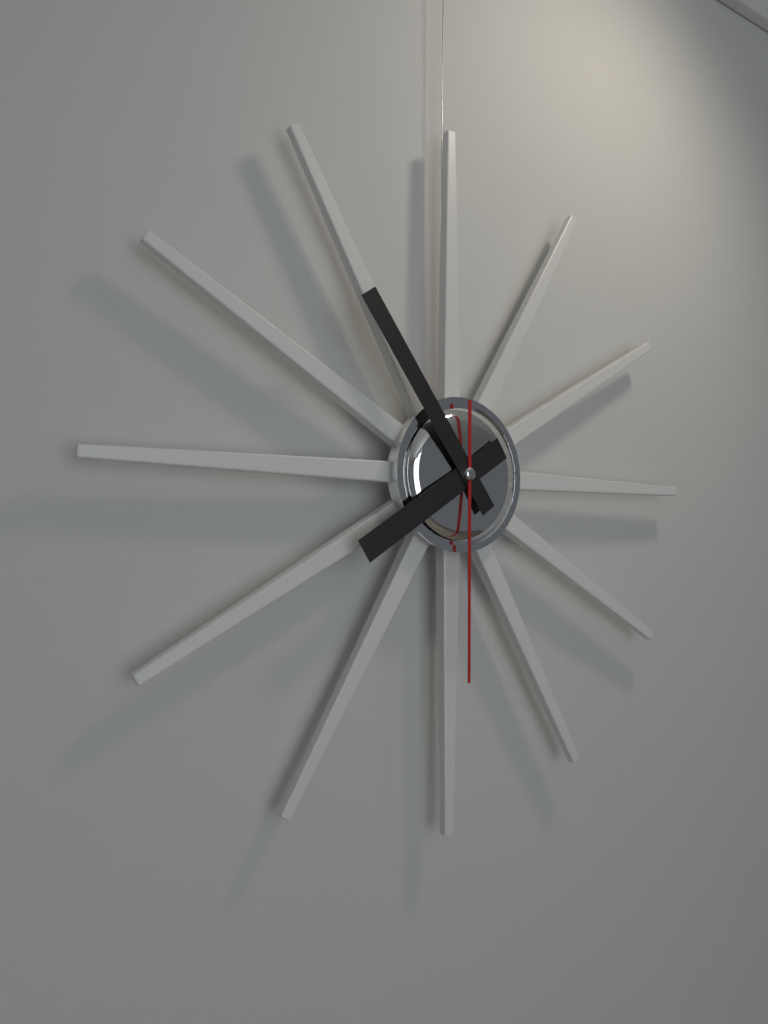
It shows 7.54.30
